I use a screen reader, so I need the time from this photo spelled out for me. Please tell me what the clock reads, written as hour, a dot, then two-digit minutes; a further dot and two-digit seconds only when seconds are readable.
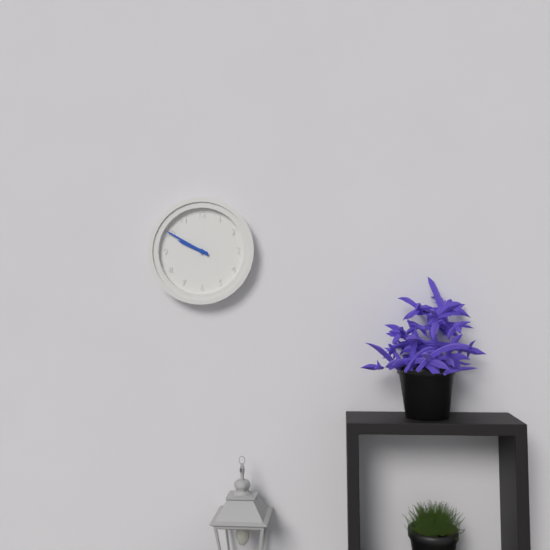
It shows 9.50
